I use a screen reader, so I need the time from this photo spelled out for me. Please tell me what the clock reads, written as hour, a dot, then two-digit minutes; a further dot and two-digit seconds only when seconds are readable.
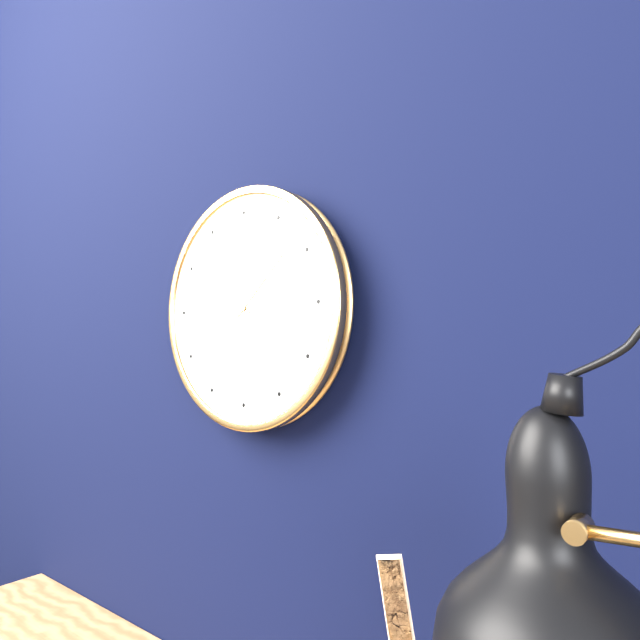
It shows 10.08
